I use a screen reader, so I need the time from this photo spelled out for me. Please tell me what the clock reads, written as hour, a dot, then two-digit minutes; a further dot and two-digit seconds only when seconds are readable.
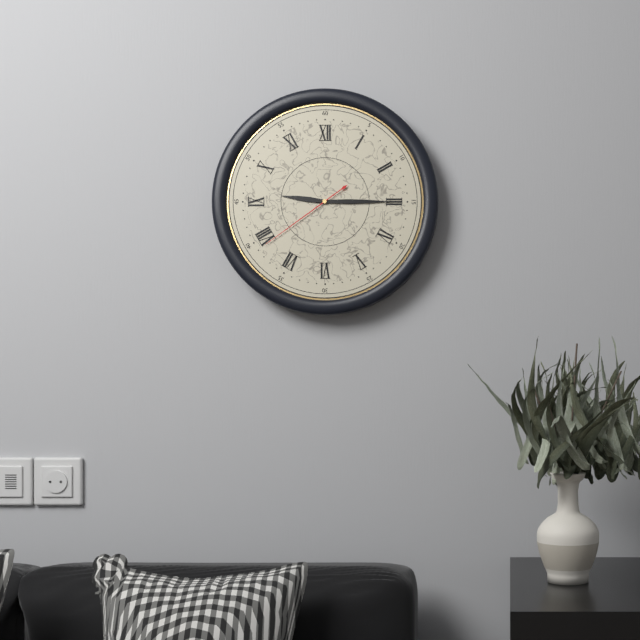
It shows 9.15.39
